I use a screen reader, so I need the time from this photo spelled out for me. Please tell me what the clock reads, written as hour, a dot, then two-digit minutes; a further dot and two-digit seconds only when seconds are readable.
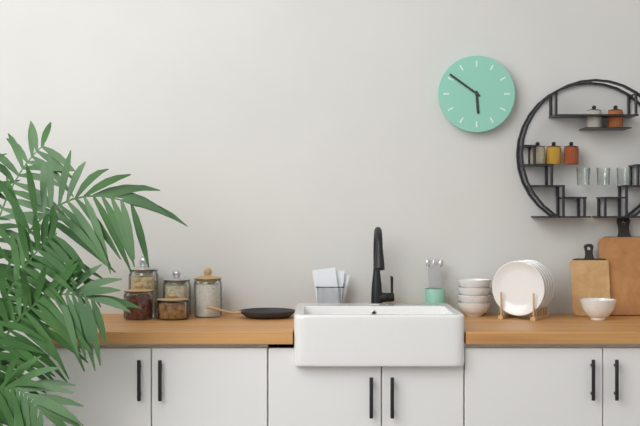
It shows 5.51
